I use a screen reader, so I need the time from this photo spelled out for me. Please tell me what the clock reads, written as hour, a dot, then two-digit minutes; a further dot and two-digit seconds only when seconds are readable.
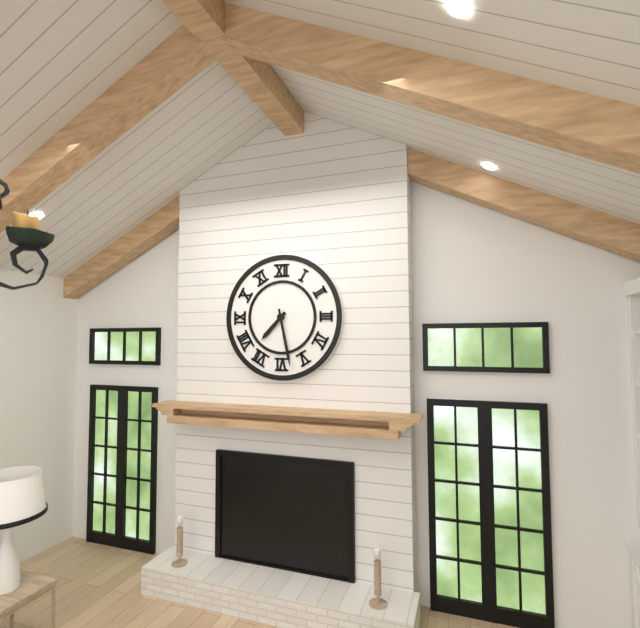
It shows 7.28
